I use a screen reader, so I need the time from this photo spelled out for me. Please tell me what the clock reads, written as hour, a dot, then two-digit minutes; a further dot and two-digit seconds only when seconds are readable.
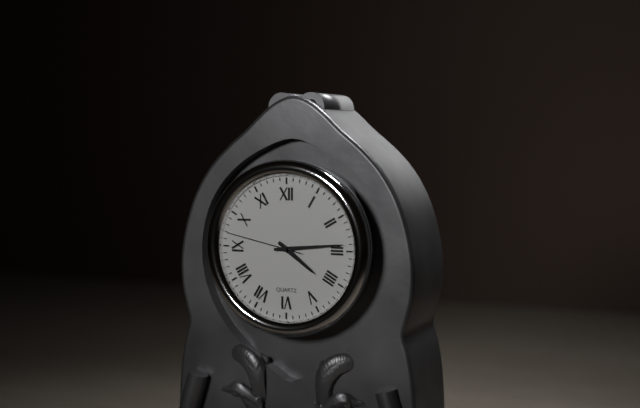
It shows 4.14.47
